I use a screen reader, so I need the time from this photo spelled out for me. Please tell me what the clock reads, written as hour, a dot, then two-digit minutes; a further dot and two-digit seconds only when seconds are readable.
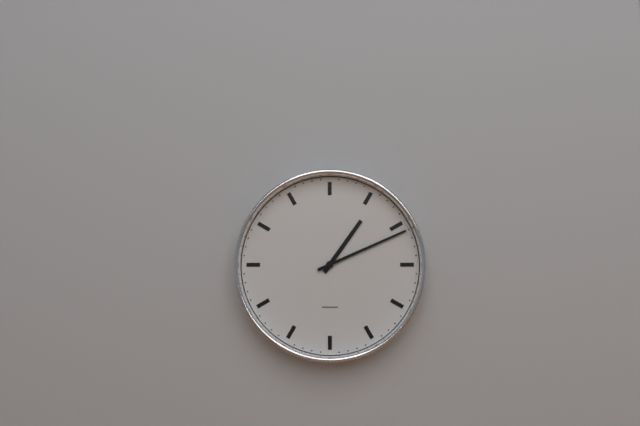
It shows 1.11
